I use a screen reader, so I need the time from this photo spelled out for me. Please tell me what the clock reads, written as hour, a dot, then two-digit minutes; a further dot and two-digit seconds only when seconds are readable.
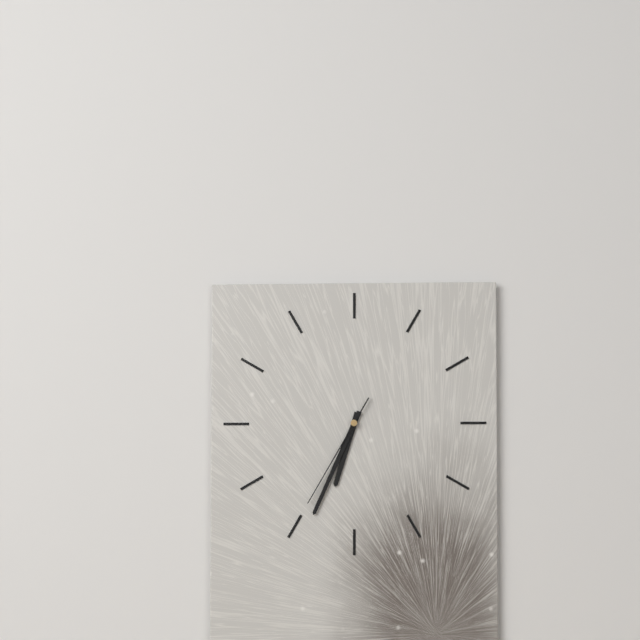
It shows 6.34.35
